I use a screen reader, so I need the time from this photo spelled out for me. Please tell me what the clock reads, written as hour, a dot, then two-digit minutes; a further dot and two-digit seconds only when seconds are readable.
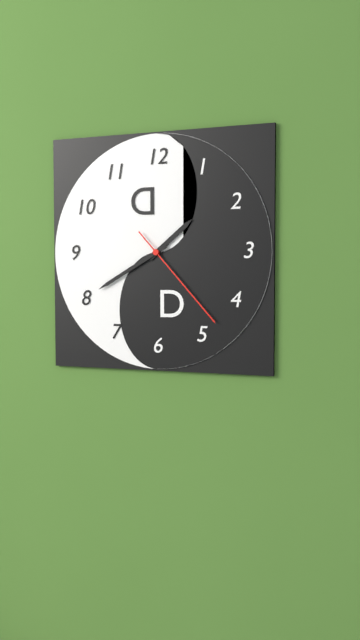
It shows 1.40.23
